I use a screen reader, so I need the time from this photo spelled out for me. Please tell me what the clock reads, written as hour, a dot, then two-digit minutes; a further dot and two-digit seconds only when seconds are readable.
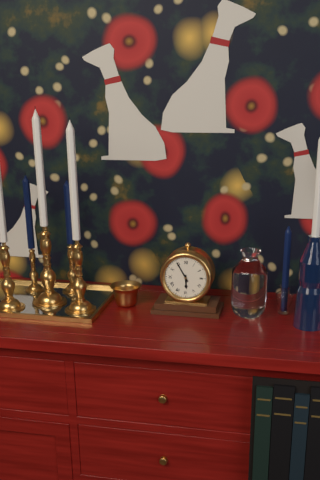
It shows 5.55
